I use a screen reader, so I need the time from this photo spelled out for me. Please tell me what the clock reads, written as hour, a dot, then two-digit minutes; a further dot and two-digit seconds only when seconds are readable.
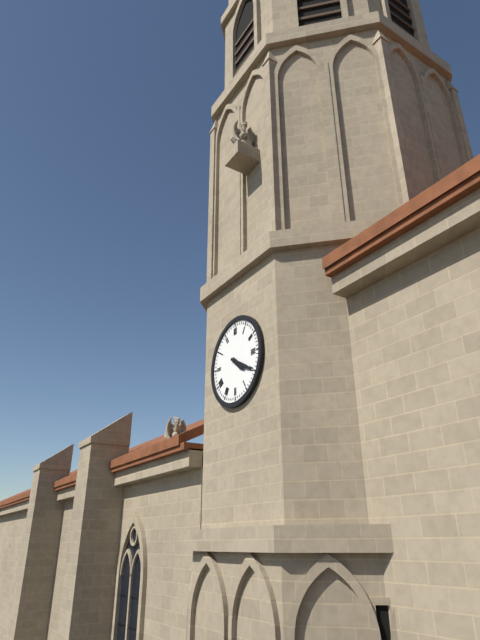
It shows 4.20
